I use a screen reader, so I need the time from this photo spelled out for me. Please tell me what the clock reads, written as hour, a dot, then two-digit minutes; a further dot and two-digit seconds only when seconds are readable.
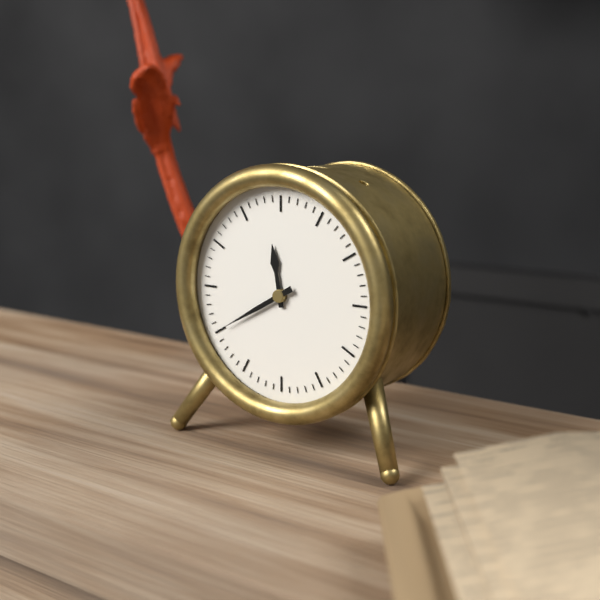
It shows 11.40
